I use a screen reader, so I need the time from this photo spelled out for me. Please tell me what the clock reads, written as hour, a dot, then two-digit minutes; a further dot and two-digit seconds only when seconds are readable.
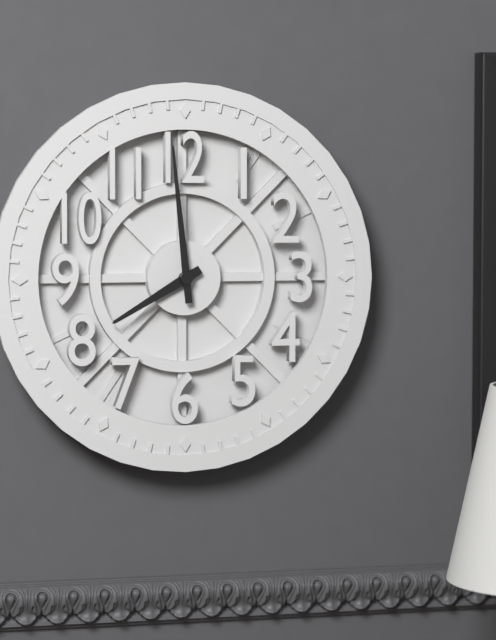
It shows 7.59
